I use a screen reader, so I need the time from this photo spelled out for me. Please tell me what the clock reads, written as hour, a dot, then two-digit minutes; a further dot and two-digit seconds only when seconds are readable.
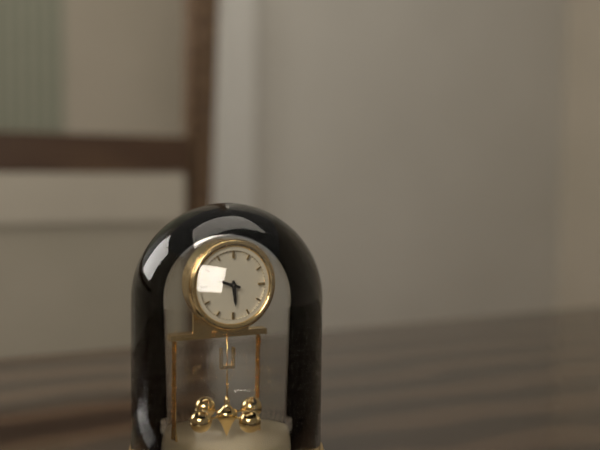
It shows 5.48
